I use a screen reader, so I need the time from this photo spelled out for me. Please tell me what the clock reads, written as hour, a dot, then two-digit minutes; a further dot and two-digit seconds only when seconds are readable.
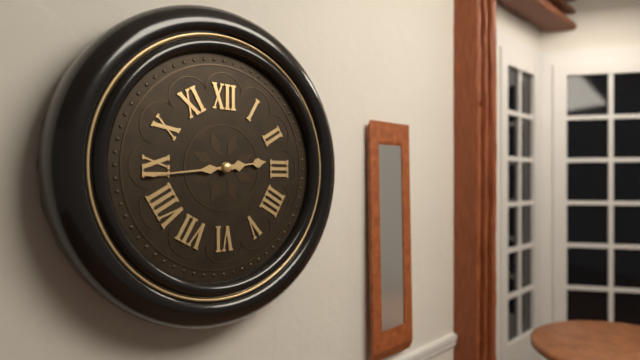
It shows 2.44
